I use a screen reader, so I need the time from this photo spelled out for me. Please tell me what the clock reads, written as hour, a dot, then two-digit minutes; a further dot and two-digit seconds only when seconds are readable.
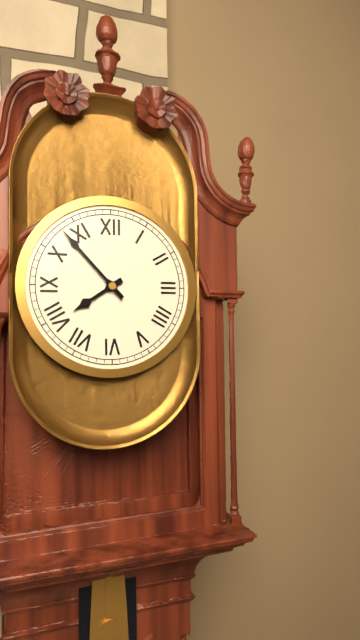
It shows 7.53
